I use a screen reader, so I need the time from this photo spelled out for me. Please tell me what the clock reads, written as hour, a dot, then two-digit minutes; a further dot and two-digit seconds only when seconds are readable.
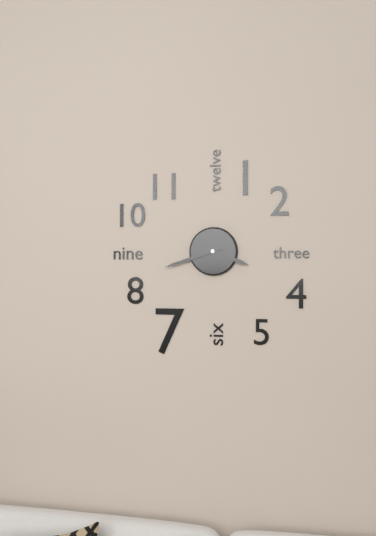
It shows 3.42
